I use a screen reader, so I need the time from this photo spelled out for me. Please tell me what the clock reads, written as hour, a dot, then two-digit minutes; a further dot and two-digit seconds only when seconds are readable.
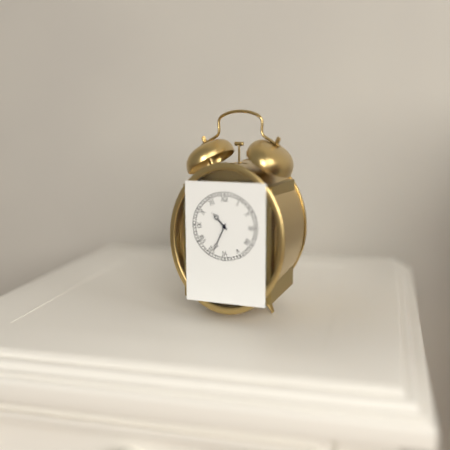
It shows 10.34
